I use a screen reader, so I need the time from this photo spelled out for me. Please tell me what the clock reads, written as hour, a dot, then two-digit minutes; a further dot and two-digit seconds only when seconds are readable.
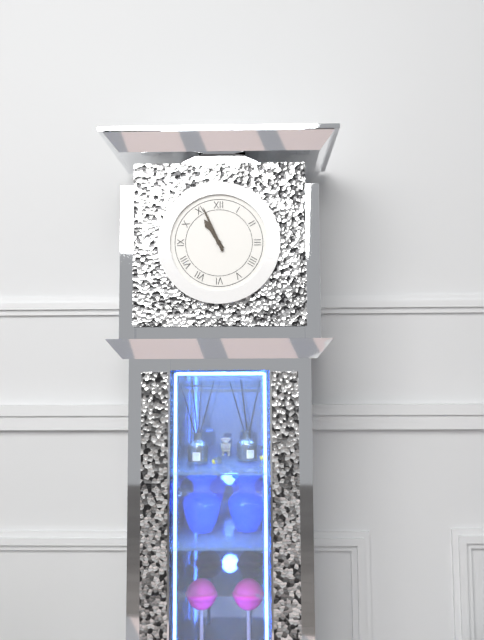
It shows 10.56
